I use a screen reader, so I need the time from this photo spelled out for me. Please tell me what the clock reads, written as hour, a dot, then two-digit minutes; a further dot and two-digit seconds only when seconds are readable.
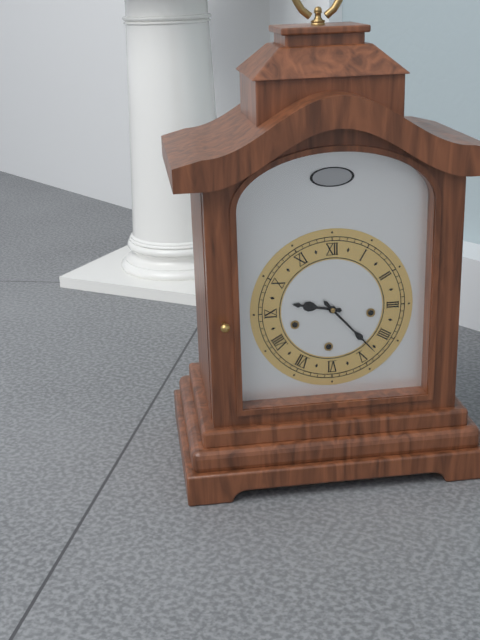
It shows 9.23
